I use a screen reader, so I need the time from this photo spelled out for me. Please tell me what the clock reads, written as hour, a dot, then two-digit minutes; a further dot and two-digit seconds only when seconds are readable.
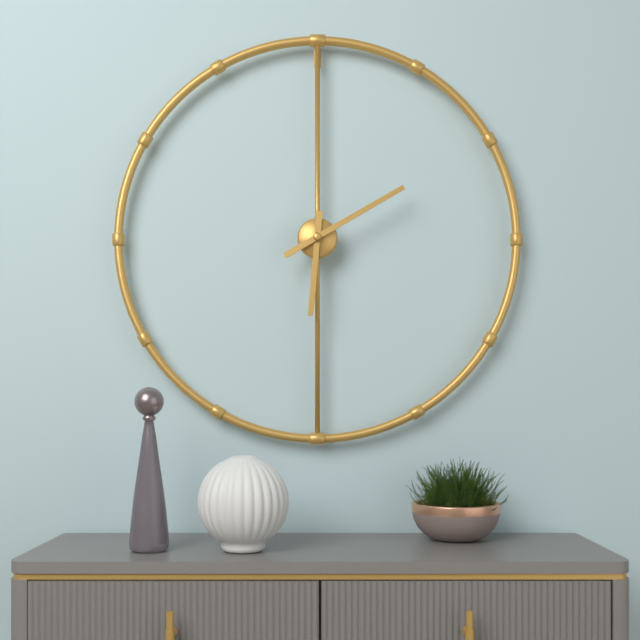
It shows 6.10
